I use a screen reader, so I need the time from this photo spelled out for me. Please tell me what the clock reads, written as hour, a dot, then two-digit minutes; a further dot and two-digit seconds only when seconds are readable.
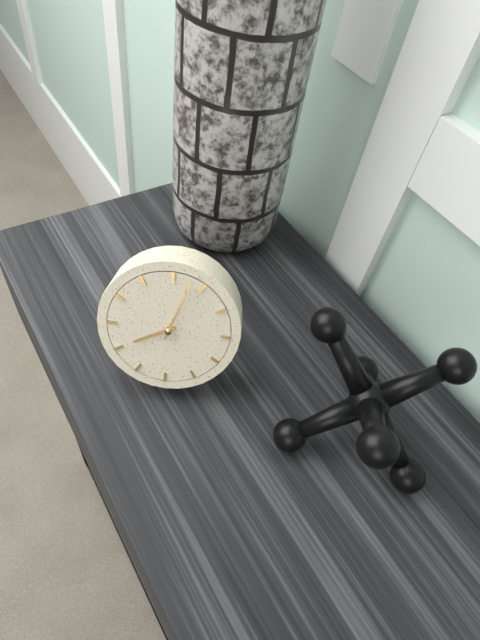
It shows 8.03
